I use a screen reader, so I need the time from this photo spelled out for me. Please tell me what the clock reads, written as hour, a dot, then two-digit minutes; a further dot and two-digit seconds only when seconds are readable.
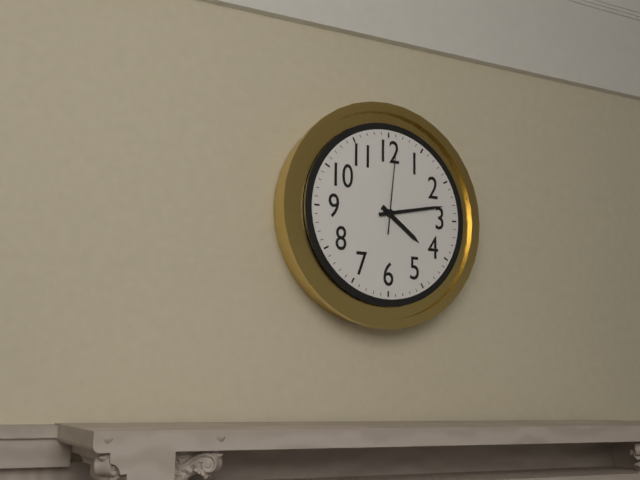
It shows 4.13.01
